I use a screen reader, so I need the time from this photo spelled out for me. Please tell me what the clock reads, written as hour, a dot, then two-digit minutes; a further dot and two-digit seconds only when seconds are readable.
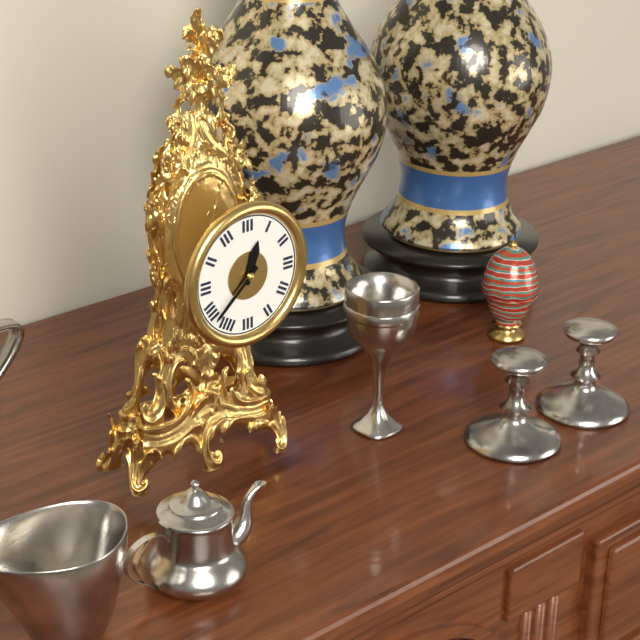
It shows 12.38
